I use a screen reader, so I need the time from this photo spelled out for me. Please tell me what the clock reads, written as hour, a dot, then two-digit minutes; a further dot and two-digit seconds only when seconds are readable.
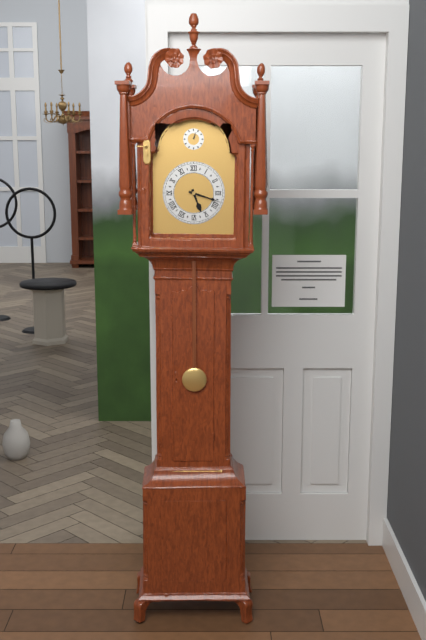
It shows 5.18
